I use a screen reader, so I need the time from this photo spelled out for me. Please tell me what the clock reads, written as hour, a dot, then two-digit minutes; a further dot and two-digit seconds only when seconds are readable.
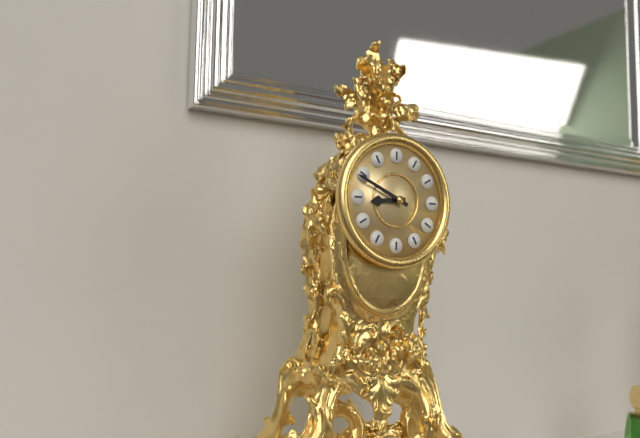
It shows 8.49
